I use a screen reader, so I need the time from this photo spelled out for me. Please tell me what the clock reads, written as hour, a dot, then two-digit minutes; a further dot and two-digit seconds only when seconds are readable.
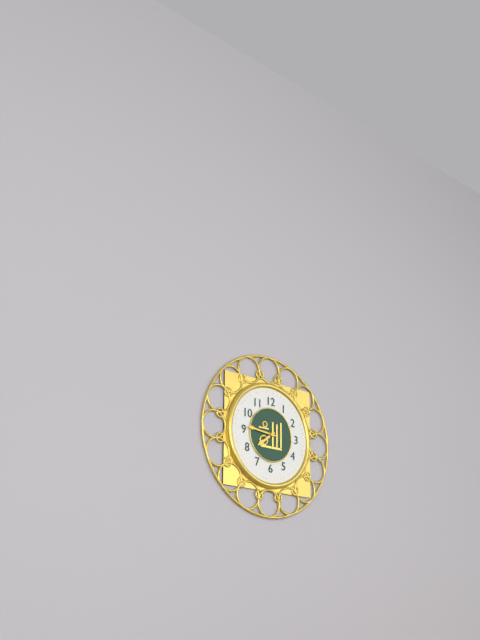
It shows 7.46
